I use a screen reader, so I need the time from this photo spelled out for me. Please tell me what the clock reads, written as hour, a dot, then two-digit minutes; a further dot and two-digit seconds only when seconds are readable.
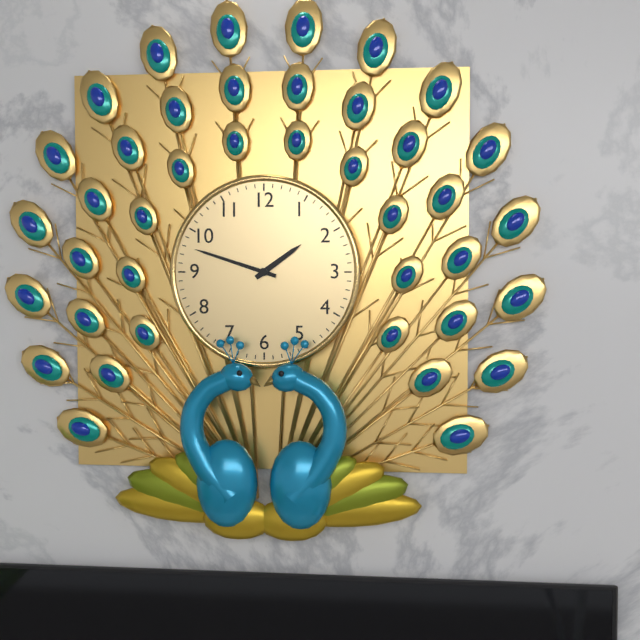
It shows 1.48
